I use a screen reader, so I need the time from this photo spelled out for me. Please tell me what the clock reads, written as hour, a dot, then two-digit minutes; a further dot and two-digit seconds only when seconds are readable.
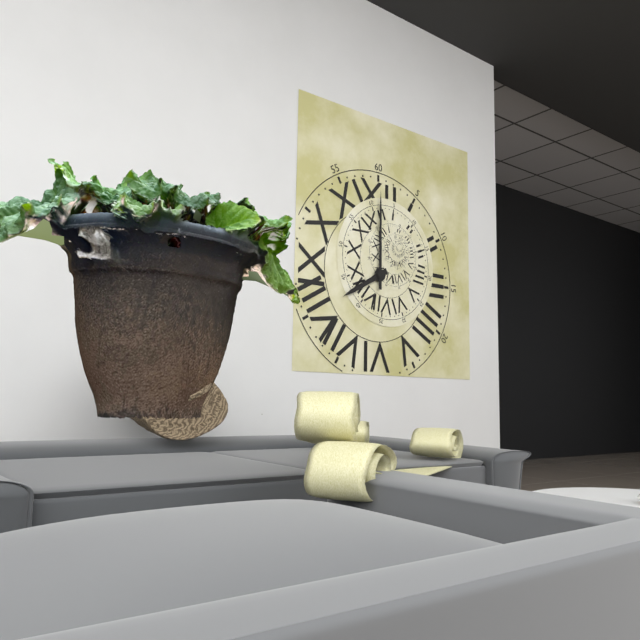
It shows 8.00
